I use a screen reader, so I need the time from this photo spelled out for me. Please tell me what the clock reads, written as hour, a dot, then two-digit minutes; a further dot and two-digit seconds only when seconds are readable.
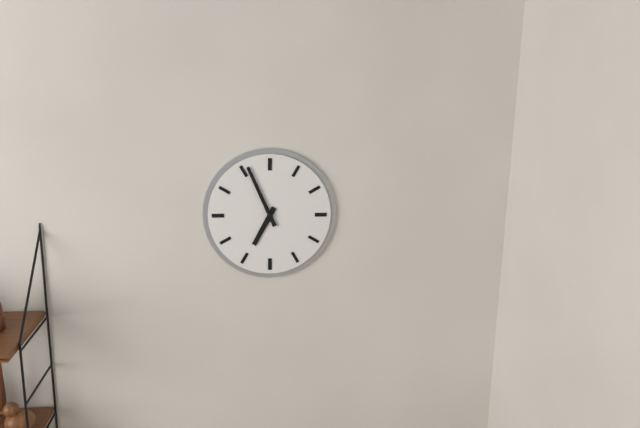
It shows 6.56
